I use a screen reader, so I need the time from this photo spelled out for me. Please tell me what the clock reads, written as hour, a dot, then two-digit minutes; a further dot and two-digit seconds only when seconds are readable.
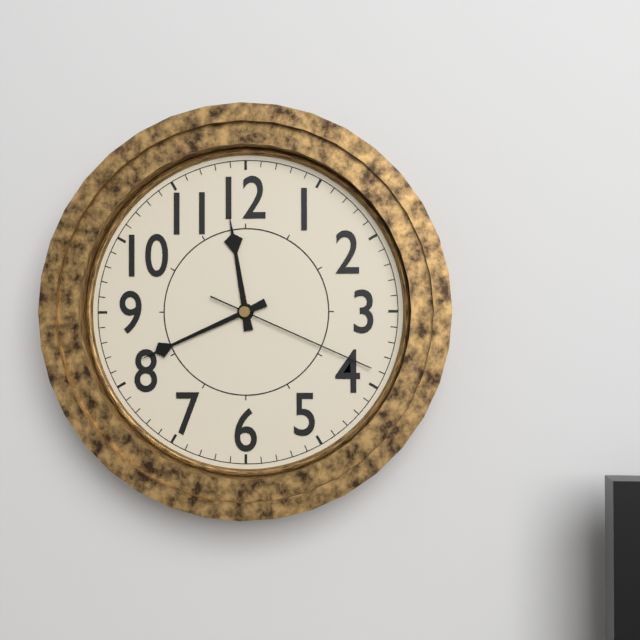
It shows 11.41.19
